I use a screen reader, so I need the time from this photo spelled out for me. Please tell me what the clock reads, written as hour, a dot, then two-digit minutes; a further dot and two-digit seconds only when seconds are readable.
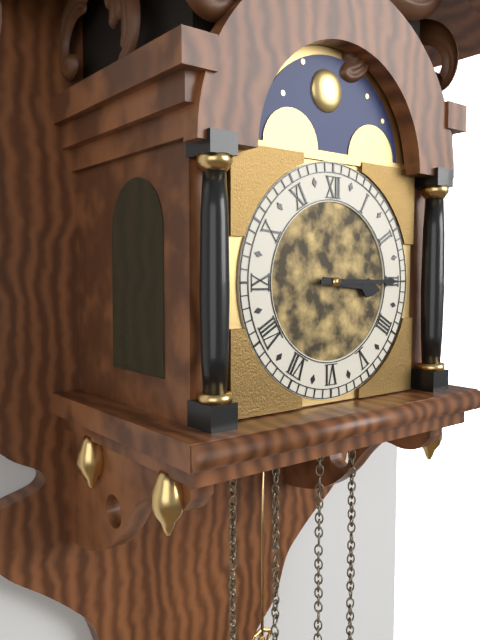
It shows 3.15
